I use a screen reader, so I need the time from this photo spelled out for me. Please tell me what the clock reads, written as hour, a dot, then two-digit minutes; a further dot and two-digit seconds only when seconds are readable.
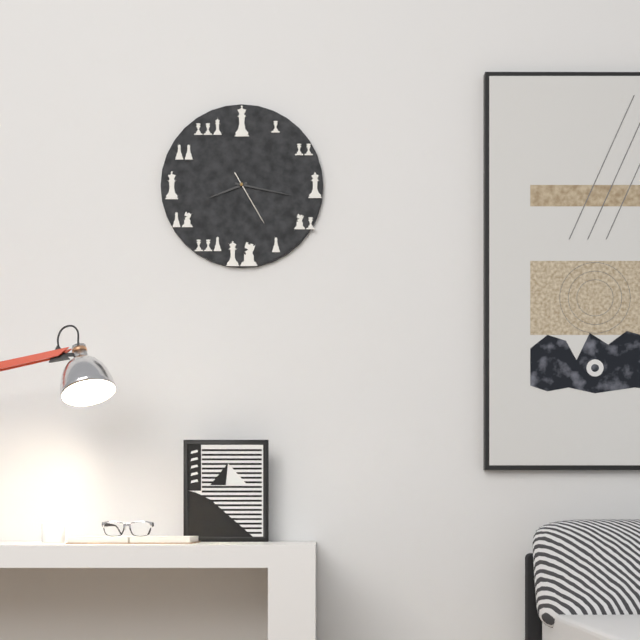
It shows 8.17.25
